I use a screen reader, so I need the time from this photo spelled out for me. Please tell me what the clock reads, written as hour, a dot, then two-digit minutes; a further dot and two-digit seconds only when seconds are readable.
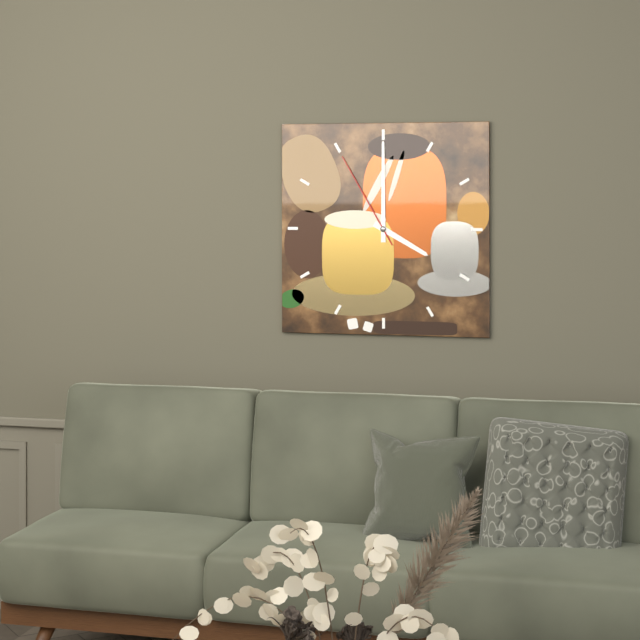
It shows 4.00.55
